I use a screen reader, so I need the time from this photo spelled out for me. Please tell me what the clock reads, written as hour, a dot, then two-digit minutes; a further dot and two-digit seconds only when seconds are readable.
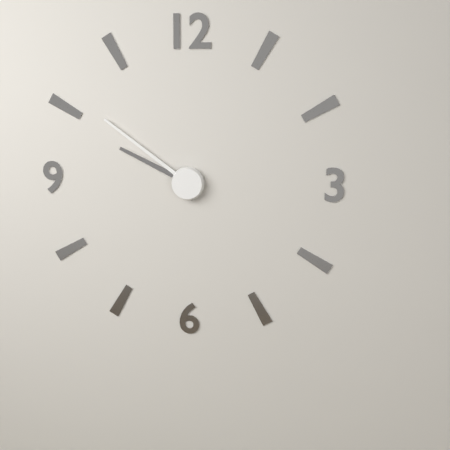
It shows 9.51
